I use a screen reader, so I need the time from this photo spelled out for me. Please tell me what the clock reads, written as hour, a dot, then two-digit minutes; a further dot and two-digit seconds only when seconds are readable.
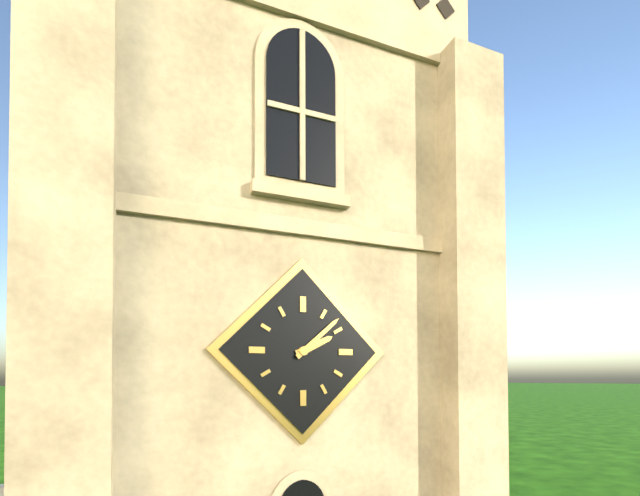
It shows 2.08
